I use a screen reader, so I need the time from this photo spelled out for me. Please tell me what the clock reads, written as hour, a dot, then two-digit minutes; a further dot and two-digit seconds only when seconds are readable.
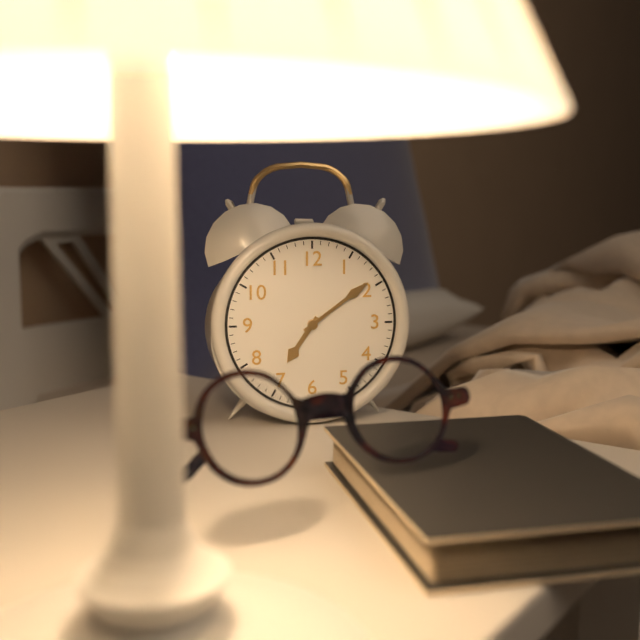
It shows 7.09
